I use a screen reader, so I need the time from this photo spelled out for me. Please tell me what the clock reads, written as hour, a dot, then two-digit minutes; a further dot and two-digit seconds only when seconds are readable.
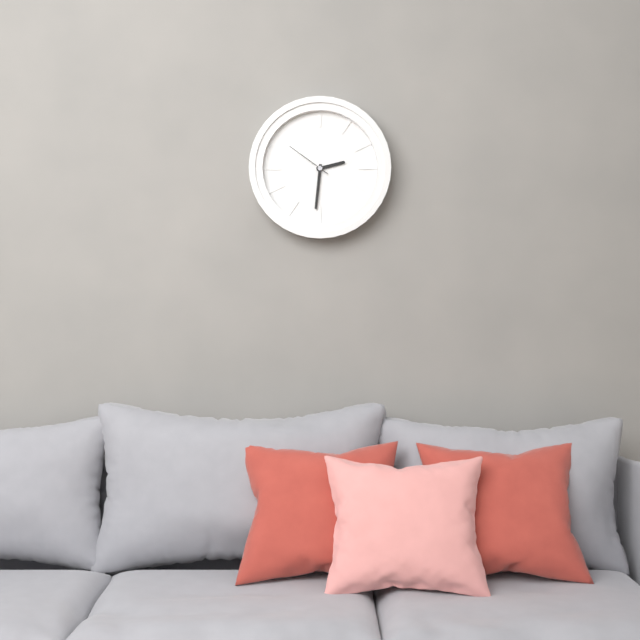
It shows 2.31
